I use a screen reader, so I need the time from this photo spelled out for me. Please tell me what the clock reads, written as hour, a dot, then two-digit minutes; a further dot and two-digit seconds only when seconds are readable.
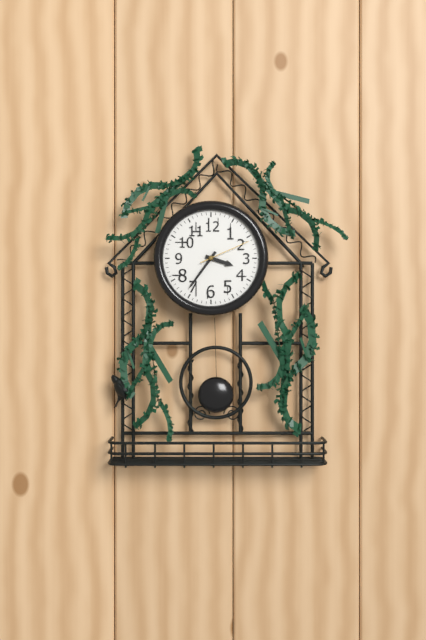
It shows 3.36.11
